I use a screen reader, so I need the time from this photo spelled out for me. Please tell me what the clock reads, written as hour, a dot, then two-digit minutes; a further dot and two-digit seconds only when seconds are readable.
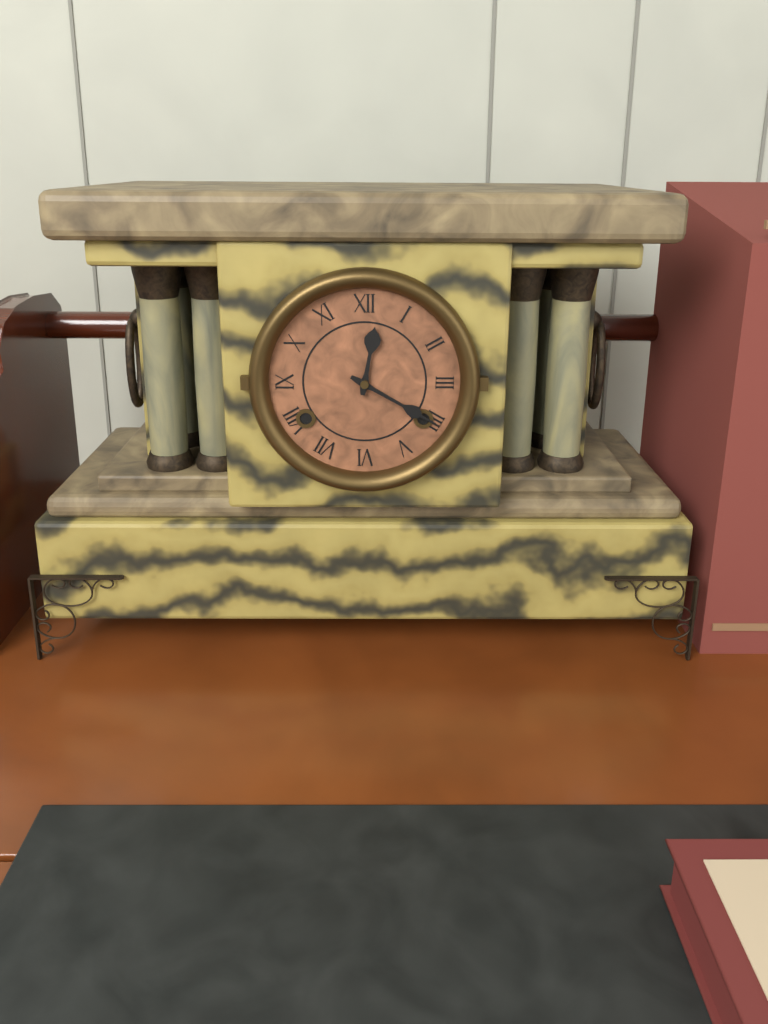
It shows 12.20
